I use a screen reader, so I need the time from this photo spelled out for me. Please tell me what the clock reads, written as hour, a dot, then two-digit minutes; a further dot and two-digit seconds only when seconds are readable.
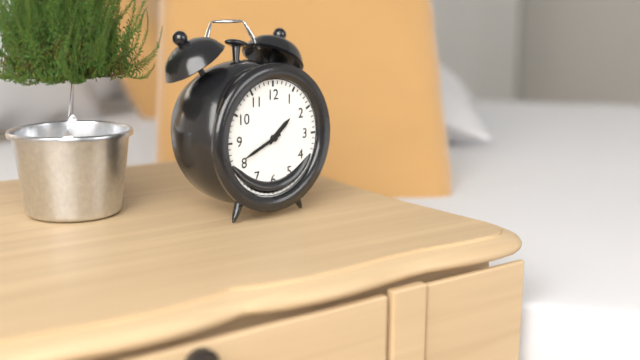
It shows 1.41
